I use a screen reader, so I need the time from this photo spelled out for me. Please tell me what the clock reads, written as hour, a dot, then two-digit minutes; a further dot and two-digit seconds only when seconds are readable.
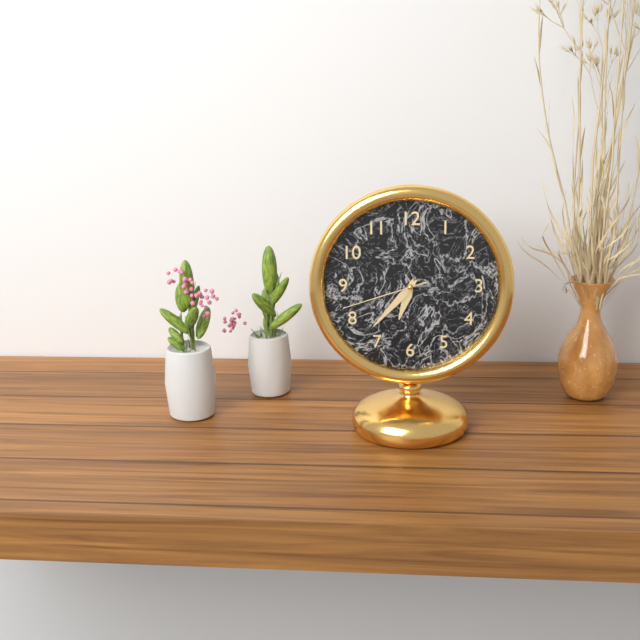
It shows 6.37.42
